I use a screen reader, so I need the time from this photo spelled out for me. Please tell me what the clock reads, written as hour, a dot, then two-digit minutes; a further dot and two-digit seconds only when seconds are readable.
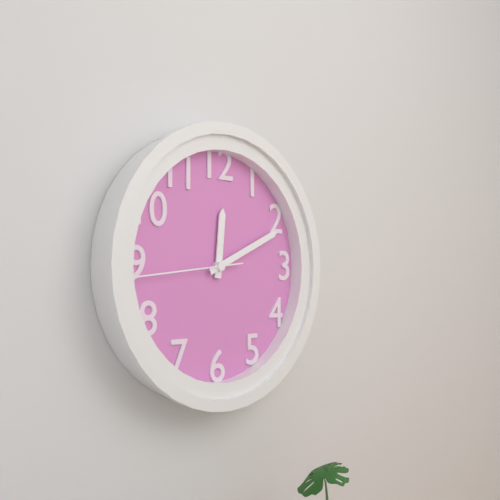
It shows 12.11.44
